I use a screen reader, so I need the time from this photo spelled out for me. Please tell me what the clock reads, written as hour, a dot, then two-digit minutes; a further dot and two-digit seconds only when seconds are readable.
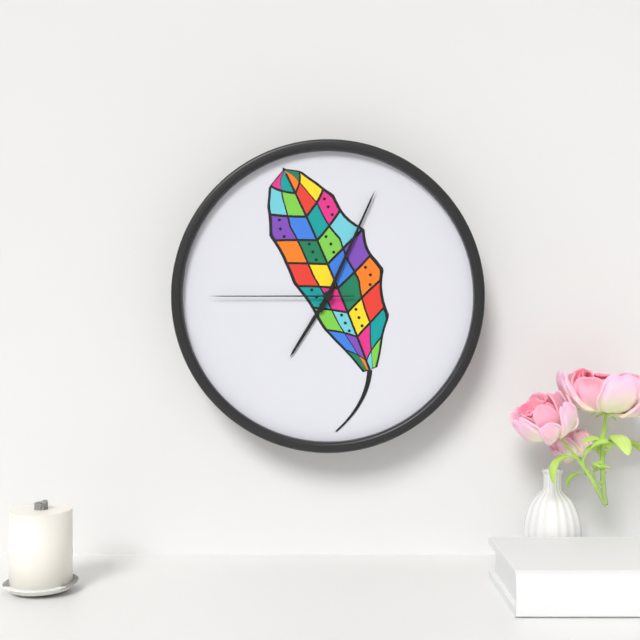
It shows 7.04.45
